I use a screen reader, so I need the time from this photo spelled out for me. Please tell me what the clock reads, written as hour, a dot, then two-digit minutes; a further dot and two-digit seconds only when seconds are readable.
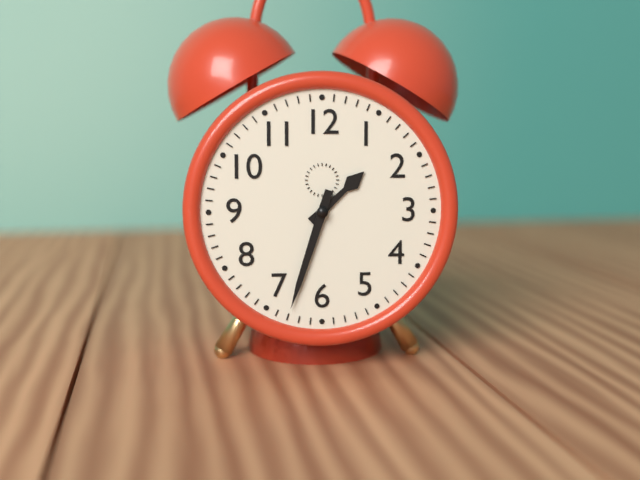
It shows 1.33
